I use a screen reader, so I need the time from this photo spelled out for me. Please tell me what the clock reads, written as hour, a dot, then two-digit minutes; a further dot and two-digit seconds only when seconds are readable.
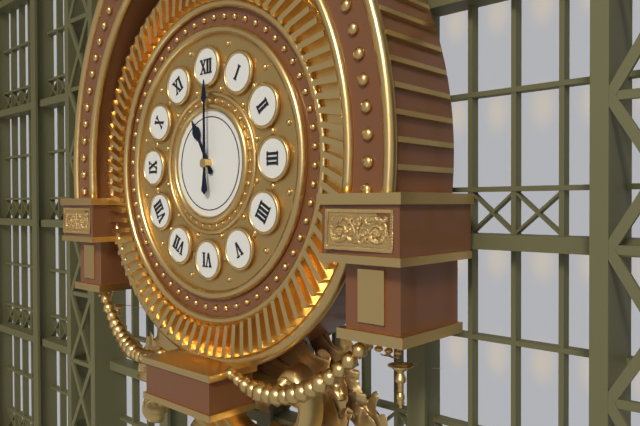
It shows 11.00
